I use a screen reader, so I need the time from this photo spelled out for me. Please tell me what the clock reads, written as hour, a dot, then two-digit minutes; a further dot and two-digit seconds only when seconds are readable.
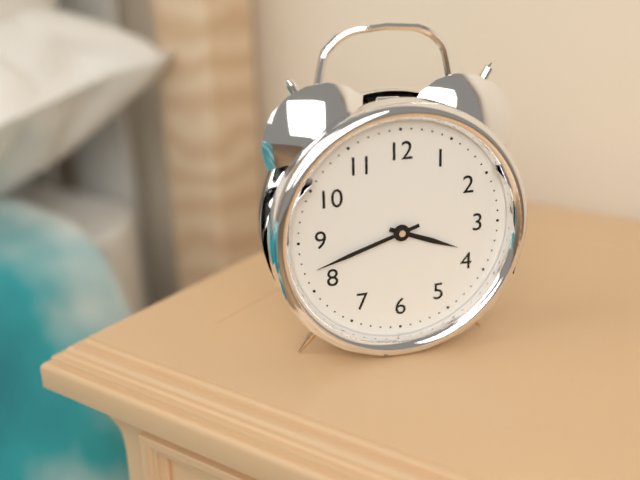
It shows 3.42
